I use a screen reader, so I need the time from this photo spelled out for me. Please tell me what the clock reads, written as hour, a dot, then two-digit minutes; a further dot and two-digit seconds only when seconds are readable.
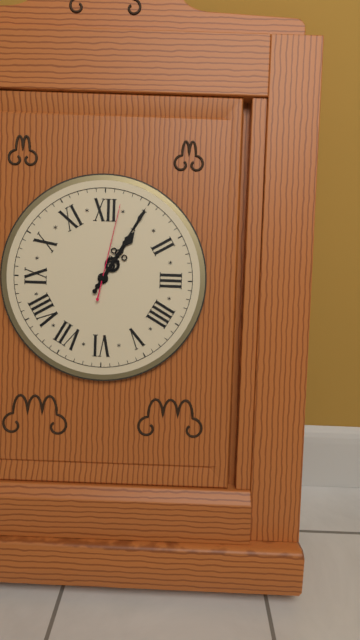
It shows 1.05.02
